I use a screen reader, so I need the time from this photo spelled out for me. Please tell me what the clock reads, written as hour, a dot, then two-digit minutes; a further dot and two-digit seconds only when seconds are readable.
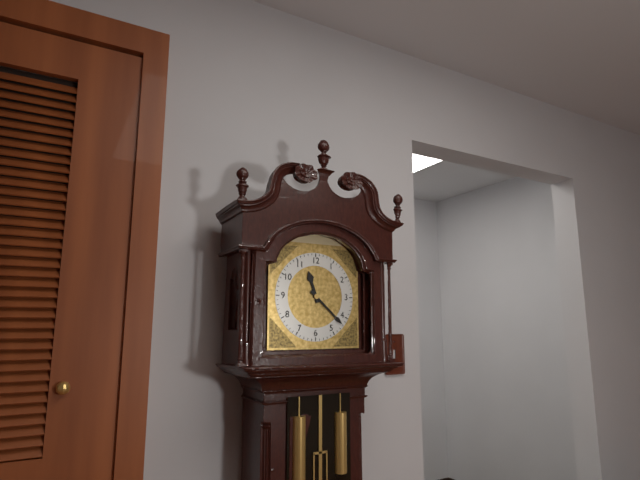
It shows 11.22
